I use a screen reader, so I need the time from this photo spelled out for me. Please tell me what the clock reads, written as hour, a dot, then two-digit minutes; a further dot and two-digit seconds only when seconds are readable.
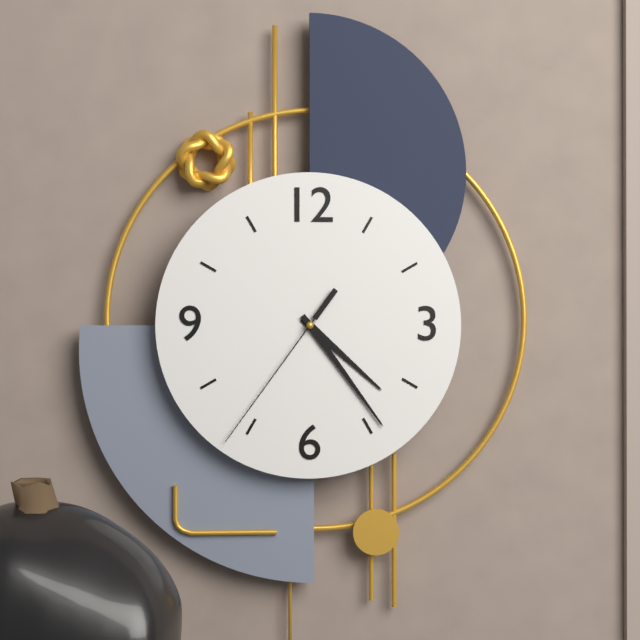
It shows 4.24.36
